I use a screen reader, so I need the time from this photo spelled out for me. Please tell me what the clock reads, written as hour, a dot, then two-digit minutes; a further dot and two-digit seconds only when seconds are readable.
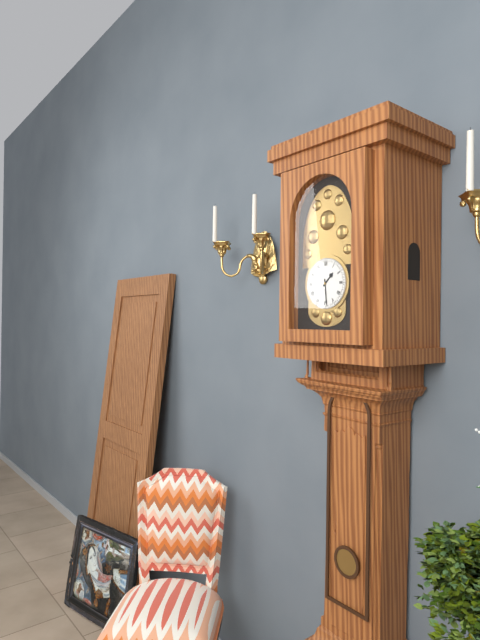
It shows 1.29
